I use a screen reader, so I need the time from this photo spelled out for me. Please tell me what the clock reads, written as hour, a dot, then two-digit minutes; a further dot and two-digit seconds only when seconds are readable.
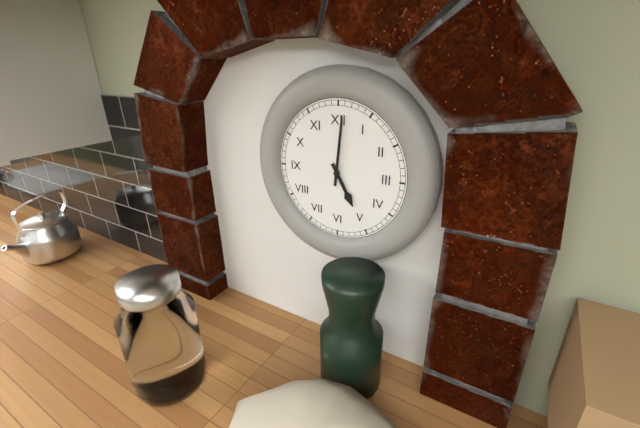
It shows 5.01
